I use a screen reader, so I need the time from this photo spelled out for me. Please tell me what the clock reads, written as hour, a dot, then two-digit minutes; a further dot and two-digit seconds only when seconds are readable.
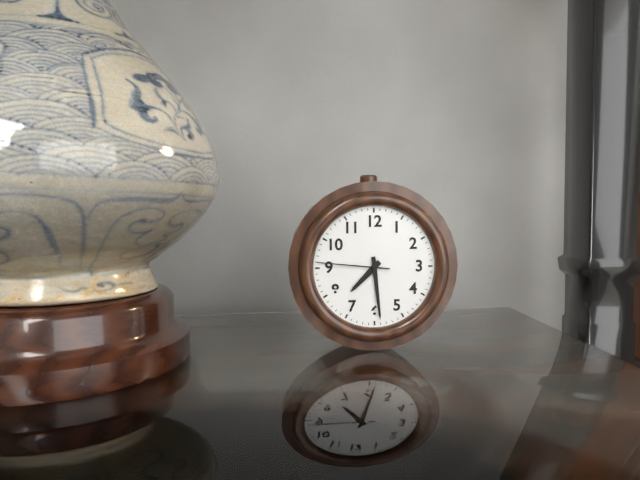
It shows 7.29.46
